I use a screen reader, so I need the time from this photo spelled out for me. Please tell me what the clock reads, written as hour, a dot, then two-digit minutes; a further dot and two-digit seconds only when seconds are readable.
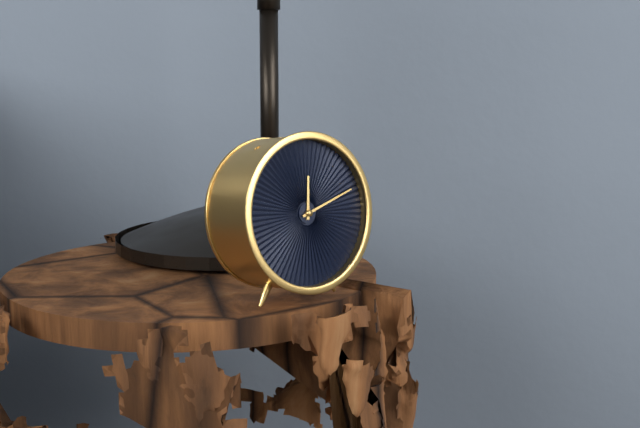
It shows 12.12
